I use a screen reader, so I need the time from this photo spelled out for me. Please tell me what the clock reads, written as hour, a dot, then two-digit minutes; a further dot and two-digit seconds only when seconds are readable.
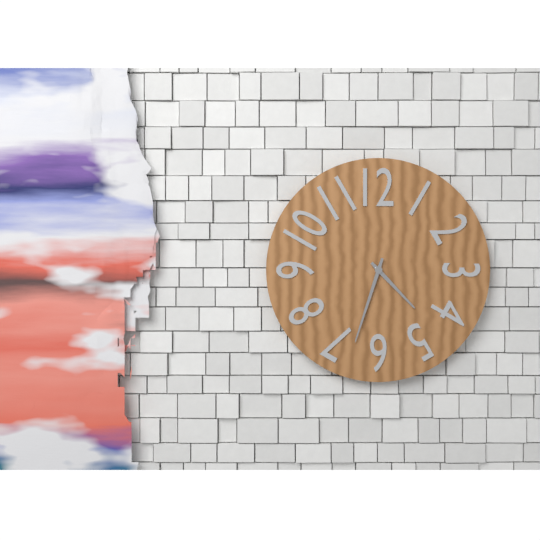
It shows 4.33
